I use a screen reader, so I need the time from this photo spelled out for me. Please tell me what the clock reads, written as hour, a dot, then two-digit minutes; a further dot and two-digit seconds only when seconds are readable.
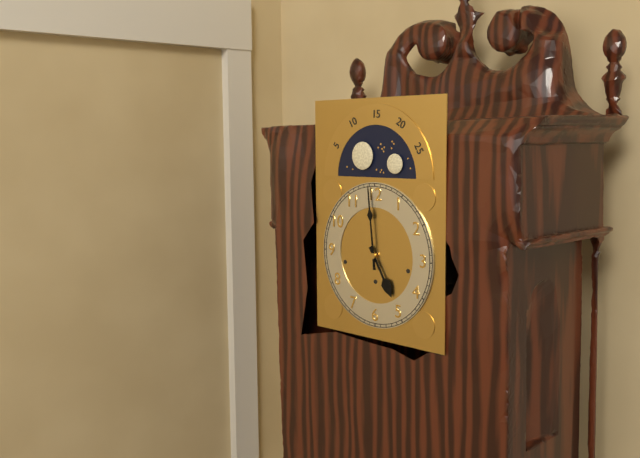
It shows 4.59
